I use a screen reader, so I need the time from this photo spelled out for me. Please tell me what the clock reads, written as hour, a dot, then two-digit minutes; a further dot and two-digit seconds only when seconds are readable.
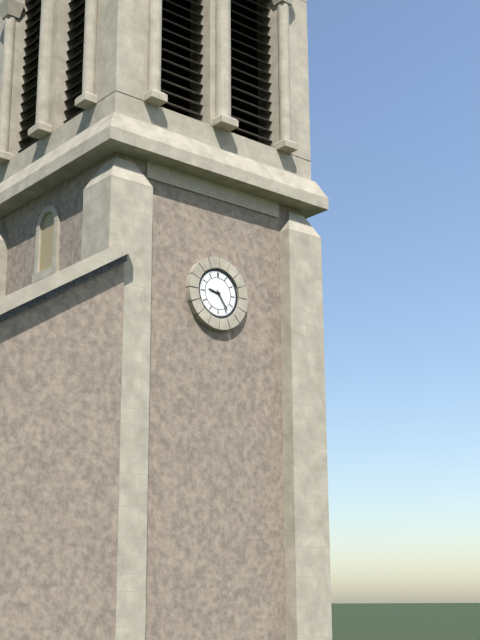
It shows 9.24
